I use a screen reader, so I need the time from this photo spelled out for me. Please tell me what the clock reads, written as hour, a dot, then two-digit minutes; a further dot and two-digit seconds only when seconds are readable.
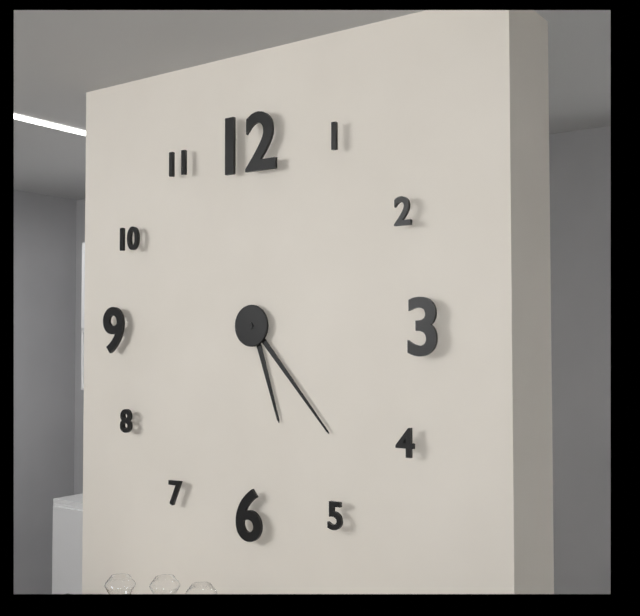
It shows 5.23
